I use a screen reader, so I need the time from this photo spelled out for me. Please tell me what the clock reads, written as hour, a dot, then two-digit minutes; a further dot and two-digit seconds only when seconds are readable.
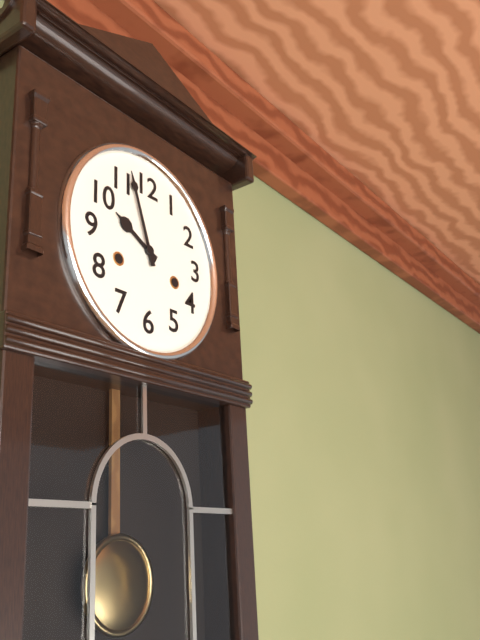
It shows 9.57
